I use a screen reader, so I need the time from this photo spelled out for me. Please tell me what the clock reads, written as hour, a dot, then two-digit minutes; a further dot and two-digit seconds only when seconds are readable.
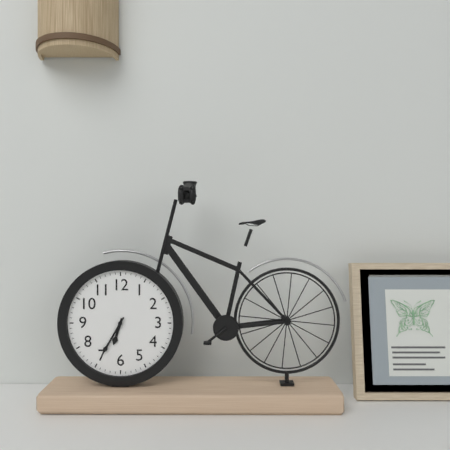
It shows 6.35
